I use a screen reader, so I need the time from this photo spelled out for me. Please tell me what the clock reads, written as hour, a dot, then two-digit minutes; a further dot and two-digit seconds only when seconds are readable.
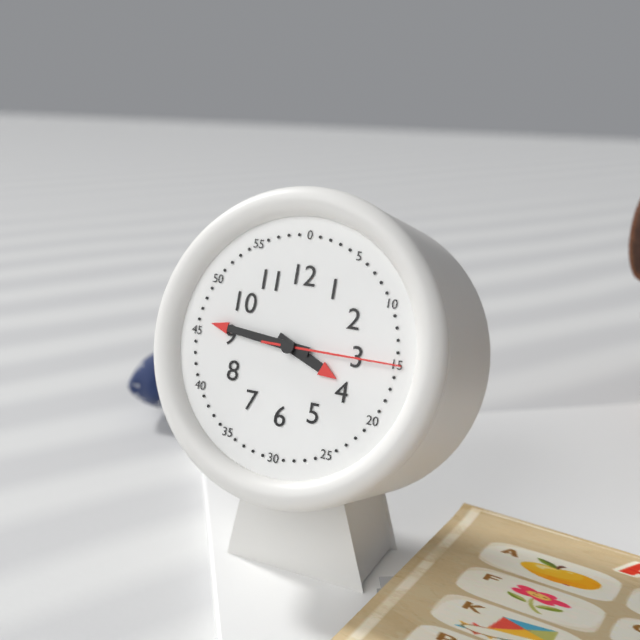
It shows 3.46.15
